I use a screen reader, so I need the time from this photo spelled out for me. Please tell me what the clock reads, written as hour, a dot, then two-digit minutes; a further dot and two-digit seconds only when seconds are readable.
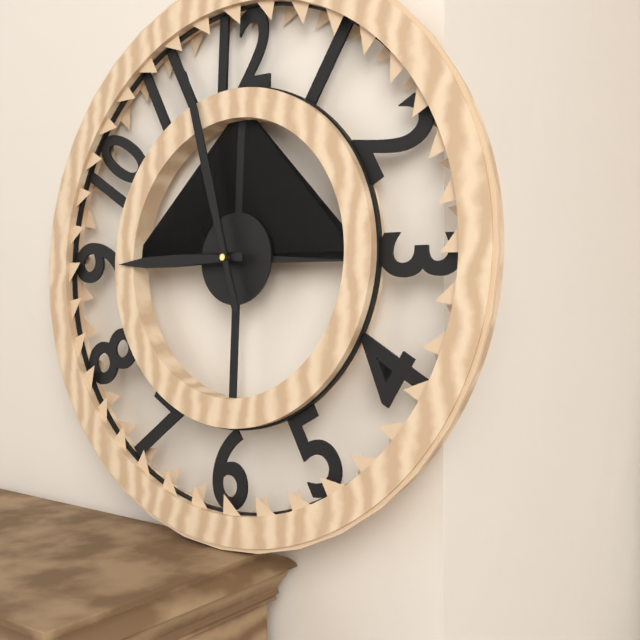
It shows 8.57
